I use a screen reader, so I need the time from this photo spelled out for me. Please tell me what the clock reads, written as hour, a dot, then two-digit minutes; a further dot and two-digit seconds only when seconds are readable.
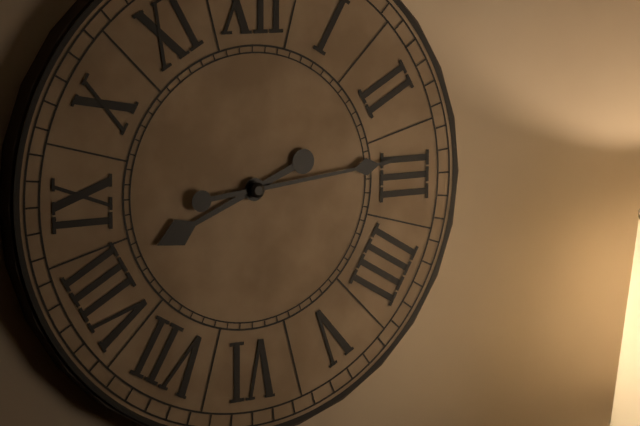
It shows 8.14
